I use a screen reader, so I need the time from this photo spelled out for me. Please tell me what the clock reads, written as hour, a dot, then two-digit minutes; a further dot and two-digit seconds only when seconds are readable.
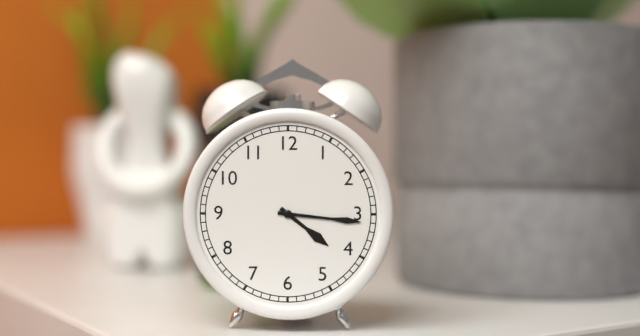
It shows 4.16
